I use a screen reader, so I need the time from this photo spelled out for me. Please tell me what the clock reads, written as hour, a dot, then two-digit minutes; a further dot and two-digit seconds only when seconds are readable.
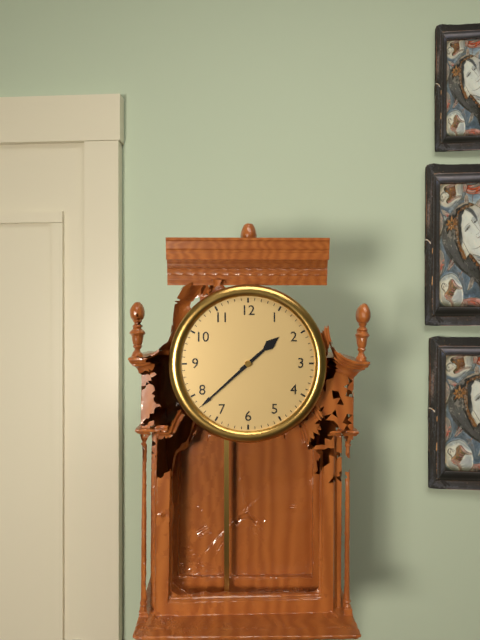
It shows 1.38
